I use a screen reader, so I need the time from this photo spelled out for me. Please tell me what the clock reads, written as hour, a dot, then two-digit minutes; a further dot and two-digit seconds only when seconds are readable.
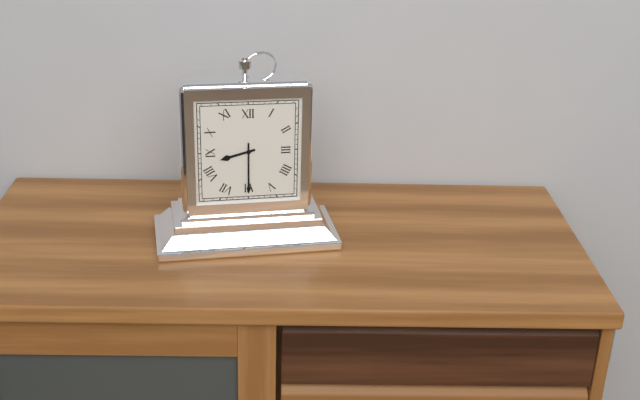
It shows 8.30
